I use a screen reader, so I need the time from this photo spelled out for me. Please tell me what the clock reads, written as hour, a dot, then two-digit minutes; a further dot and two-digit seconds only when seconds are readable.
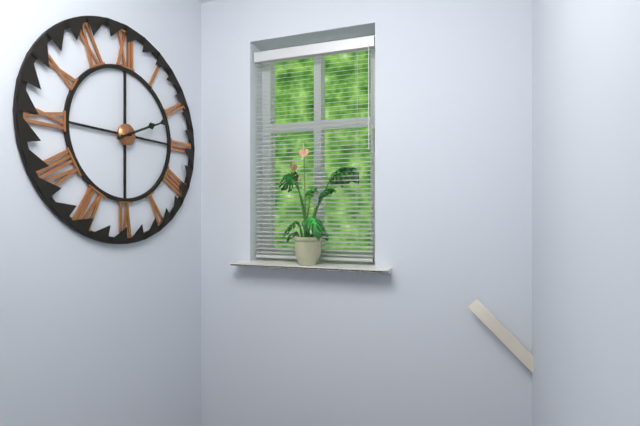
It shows 2.11
